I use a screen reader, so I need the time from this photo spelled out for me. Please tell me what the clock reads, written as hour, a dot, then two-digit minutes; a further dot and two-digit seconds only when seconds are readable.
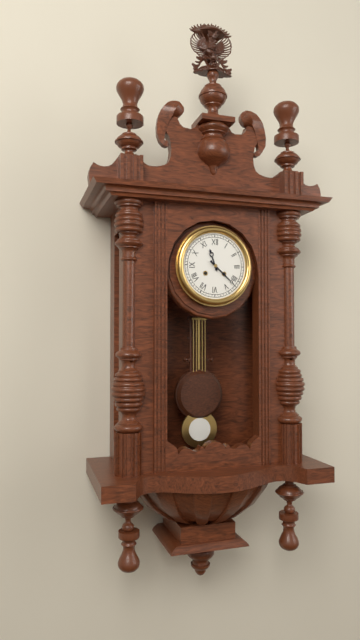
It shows 11.22
